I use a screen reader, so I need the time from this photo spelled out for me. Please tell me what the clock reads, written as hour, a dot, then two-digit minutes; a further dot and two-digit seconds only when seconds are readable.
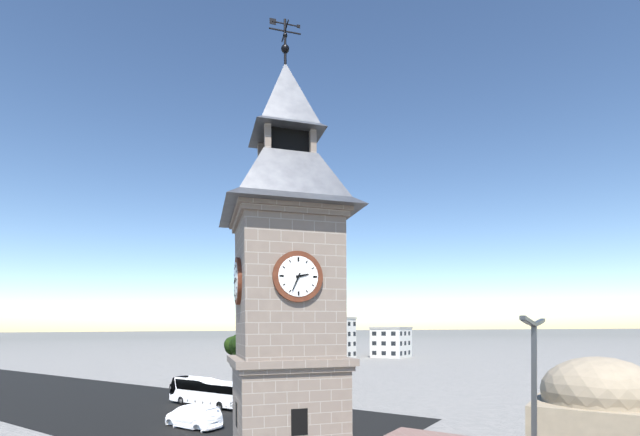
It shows 2.34
